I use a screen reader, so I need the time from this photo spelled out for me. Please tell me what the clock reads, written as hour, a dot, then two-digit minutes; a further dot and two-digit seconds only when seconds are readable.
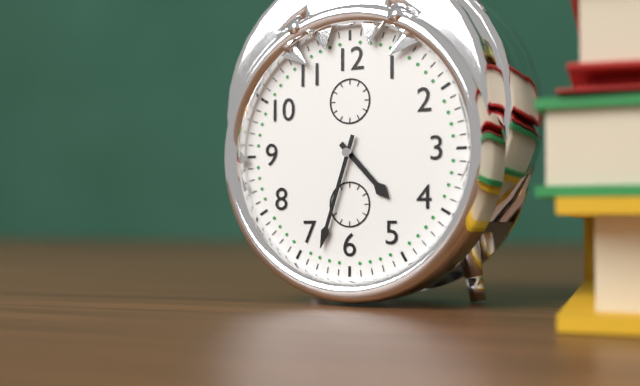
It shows 4.33
